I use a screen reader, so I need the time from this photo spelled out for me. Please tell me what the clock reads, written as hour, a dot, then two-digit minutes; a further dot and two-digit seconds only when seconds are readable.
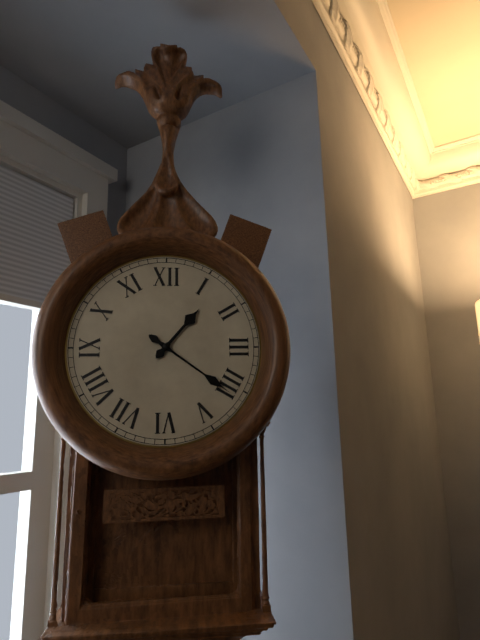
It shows 1.21
